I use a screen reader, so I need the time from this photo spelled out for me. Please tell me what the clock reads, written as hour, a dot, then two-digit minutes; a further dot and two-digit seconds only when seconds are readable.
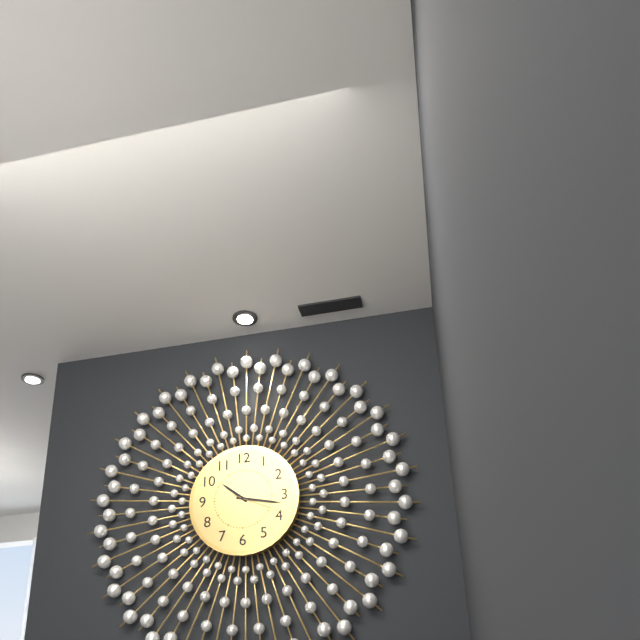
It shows 10.17.19
